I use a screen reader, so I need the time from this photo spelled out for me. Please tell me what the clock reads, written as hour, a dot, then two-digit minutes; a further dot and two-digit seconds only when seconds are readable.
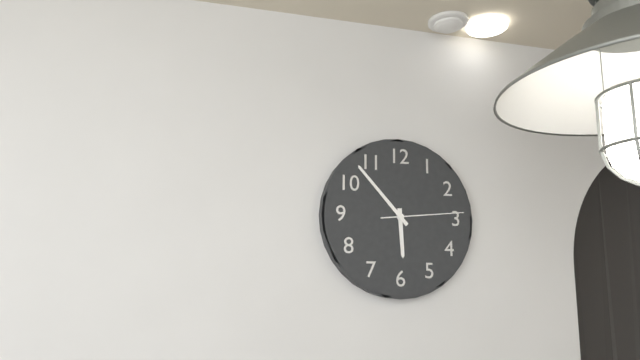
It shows 5.53.14
